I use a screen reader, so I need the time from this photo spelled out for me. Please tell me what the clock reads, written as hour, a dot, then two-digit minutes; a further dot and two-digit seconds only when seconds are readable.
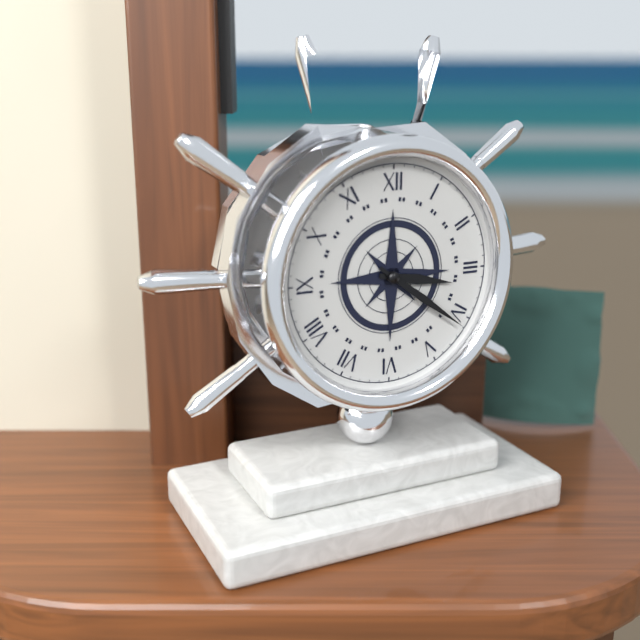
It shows 3.21
